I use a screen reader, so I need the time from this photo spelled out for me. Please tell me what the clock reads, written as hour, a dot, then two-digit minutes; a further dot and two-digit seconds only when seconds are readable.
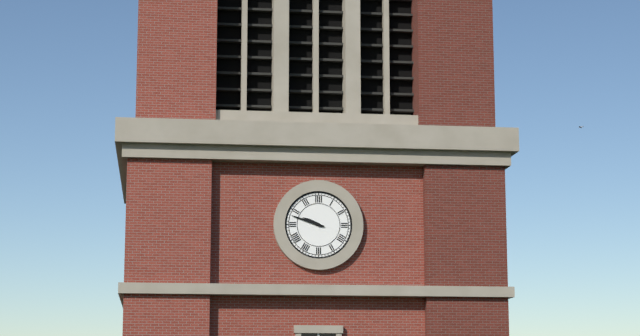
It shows 9.48
